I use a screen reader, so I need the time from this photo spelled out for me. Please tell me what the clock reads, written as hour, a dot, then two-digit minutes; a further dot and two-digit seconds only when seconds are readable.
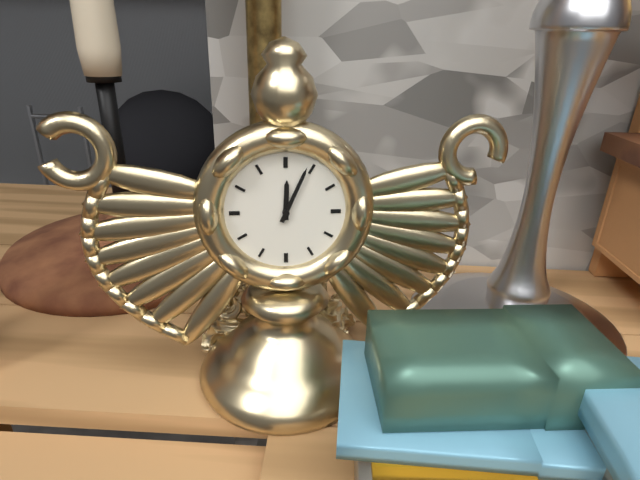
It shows 12.04
